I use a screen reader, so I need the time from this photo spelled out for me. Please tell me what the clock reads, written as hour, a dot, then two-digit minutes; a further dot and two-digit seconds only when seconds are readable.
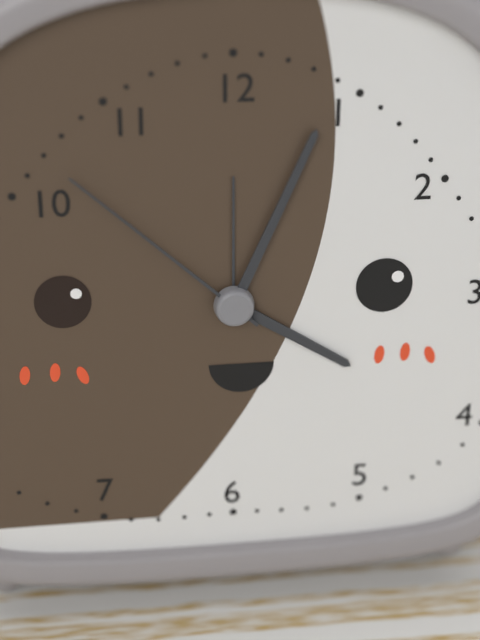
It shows 4.04.52
